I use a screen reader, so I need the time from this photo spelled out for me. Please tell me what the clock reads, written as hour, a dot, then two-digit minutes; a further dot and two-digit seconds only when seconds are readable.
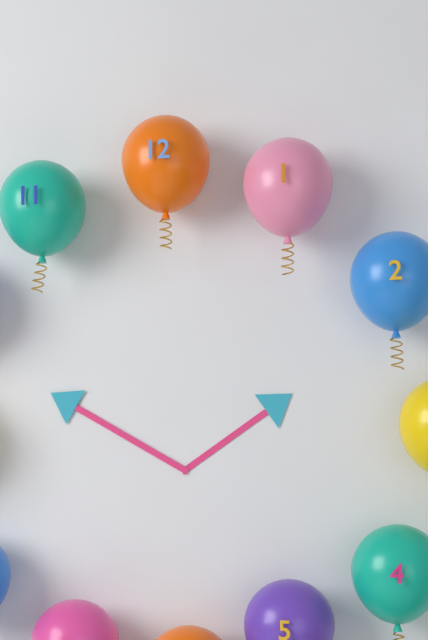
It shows 1.50
